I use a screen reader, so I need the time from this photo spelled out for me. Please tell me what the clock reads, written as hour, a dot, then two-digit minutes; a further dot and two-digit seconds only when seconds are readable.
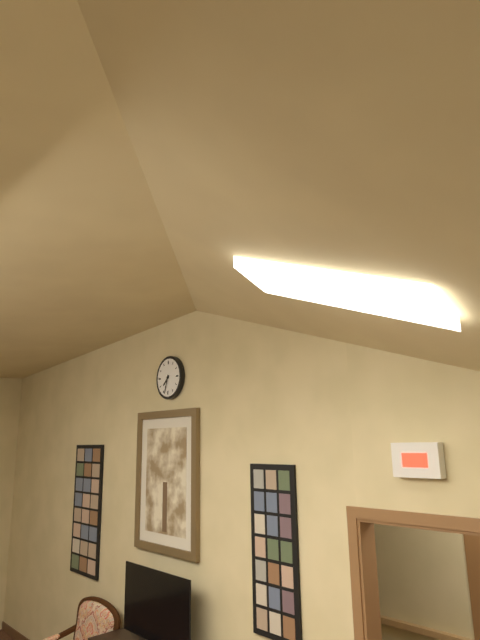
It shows 7.33
